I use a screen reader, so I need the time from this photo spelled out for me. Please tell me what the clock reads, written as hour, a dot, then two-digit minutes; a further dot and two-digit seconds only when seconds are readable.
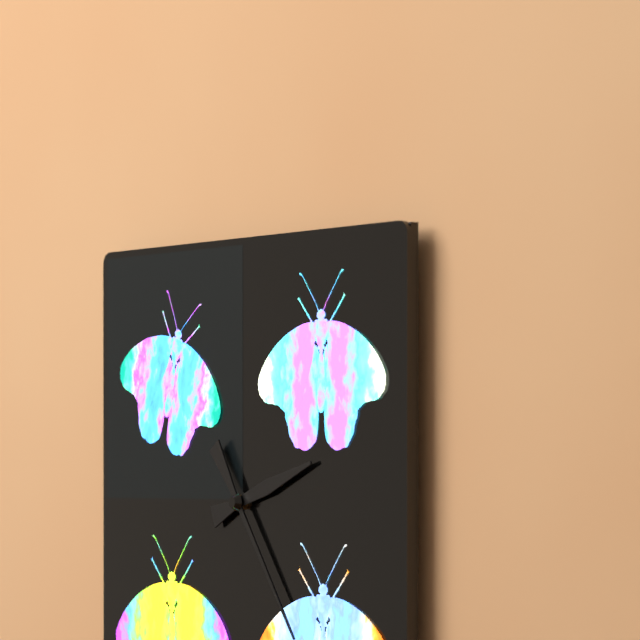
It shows 2.24
